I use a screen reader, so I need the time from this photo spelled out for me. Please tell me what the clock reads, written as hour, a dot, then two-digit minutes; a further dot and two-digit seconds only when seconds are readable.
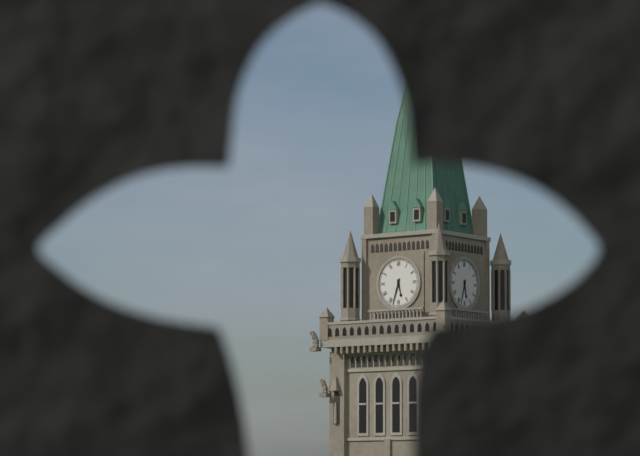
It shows 5.33
